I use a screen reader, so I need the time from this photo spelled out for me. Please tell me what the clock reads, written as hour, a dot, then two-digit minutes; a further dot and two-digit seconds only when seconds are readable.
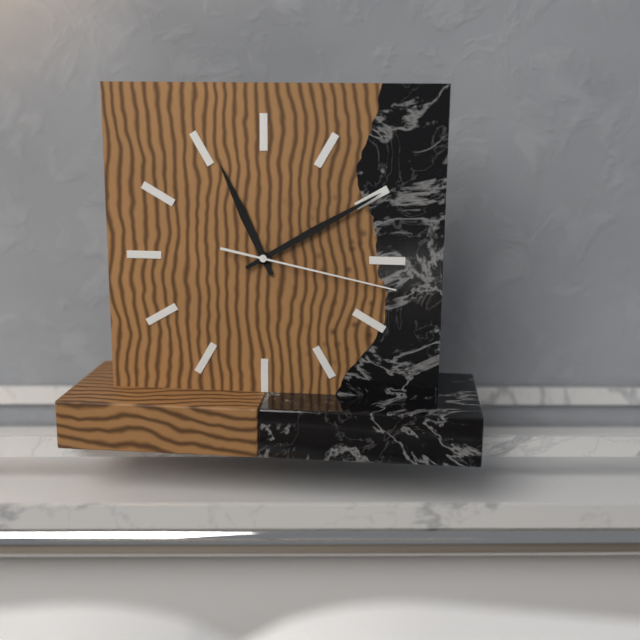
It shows 11.10.17
